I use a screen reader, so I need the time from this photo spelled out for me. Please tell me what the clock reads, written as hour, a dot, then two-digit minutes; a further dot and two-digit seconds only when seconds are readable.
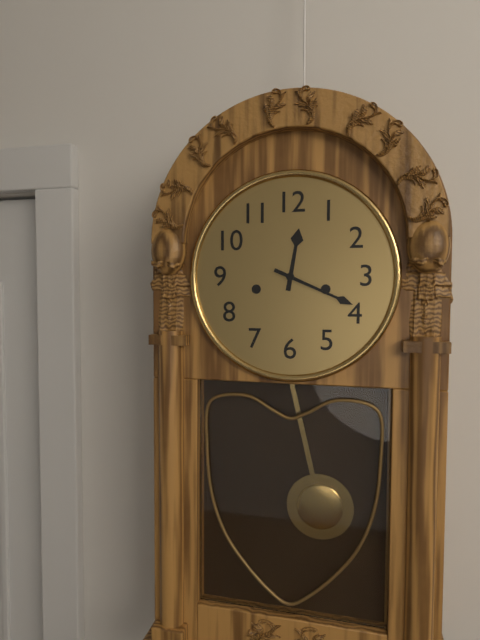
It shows 12.19
